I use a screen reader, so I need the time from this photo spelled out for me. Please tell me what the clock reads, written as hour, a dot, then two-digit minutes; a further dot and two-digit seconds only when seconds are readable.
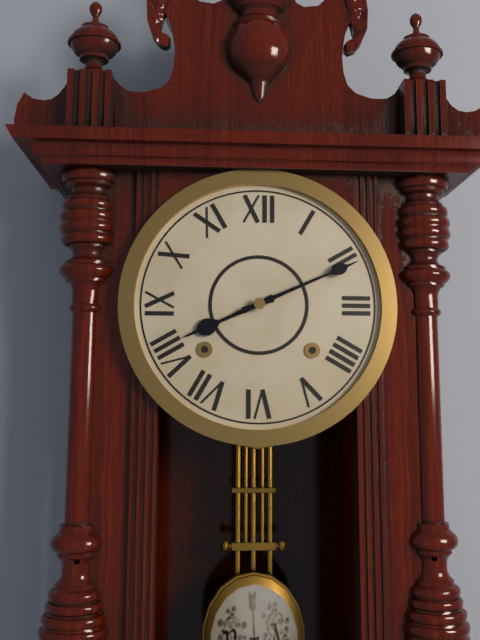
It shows 8.11
